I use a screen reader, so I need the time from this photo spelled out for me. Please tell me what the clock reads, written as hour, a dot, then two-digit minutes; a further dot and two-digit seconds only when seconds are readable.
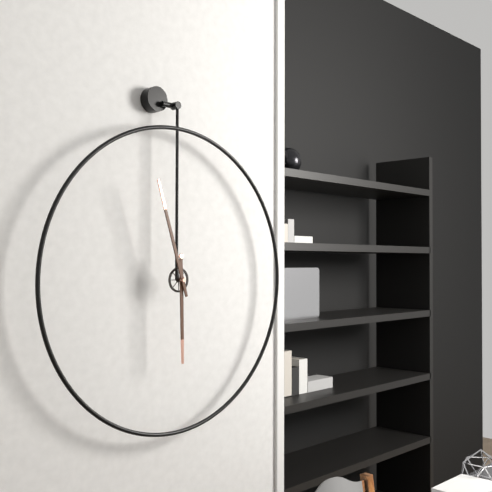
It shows 5.57
